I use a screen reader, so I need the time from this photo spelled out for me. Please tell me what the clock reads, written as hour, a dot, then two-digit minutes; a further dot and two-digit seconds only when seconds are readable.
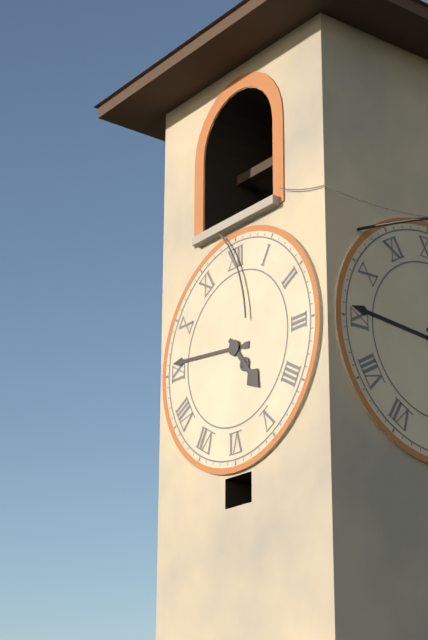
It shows 4.46
